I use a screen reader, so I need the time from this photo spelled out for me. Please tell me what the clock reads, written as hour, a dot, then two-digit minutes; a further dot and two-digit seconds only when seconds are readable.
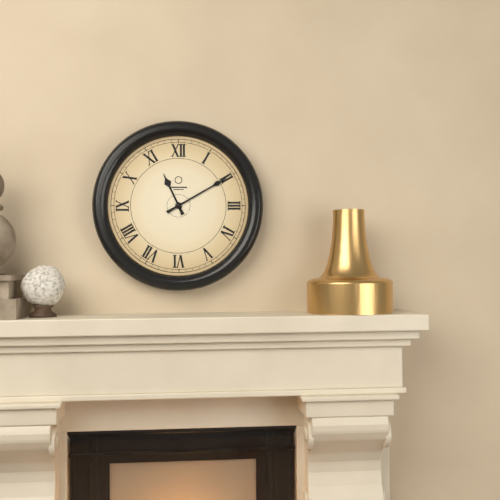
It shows 11.10
